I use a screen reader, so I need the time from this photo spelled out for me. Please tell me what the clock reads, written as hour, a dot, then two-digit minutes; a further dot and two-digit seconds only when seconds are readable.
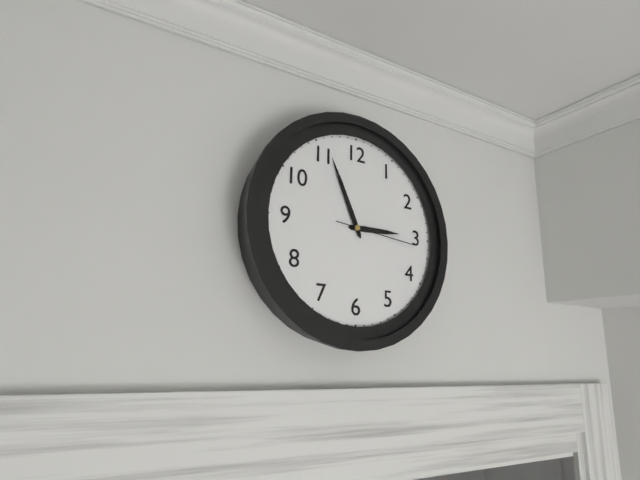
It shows 2.56.16
